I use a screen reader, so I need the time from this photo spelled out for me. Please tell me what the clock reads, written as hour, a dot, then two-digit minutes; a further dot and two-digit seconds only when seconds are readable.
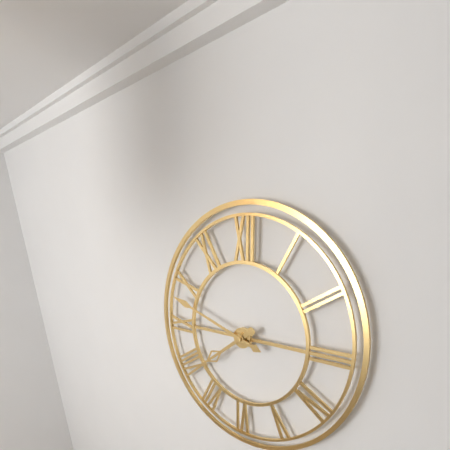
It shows 7.48
